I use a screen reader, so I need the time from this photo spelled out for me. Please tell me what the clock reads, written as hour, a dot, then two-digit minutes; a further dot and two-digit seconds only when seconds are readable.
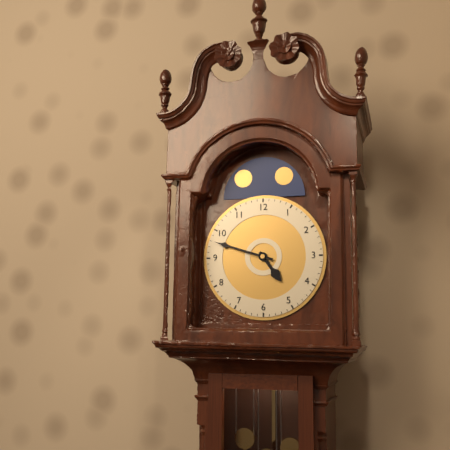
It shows 4.48
